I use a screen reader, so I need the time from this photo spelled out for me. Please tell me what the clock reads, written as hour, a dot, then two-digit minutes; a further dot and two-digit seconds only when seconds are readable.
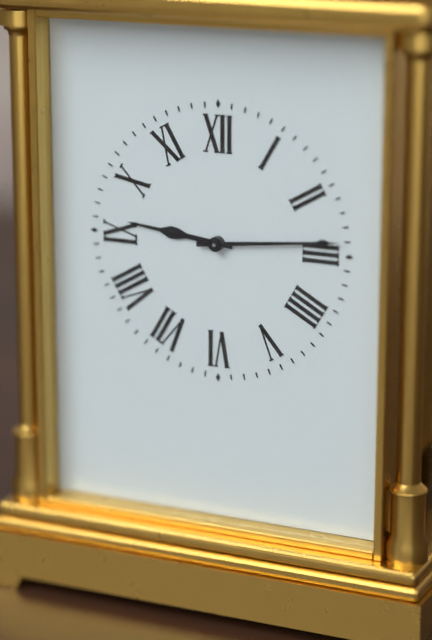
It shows 9.14
